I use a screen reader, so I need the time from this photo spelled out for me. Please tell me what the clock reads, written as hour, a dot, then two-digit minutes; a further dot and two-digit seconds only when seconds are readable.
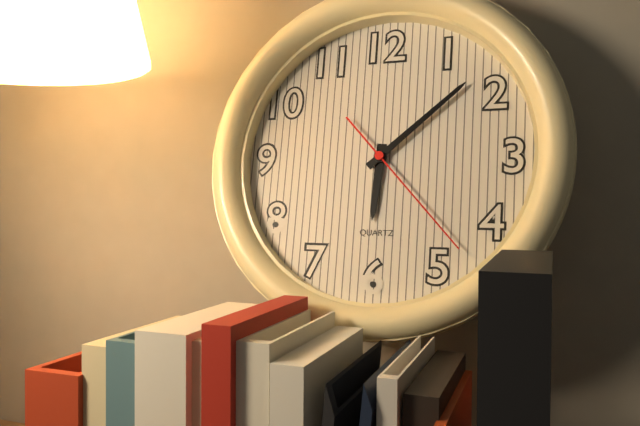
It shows 6.08.23
